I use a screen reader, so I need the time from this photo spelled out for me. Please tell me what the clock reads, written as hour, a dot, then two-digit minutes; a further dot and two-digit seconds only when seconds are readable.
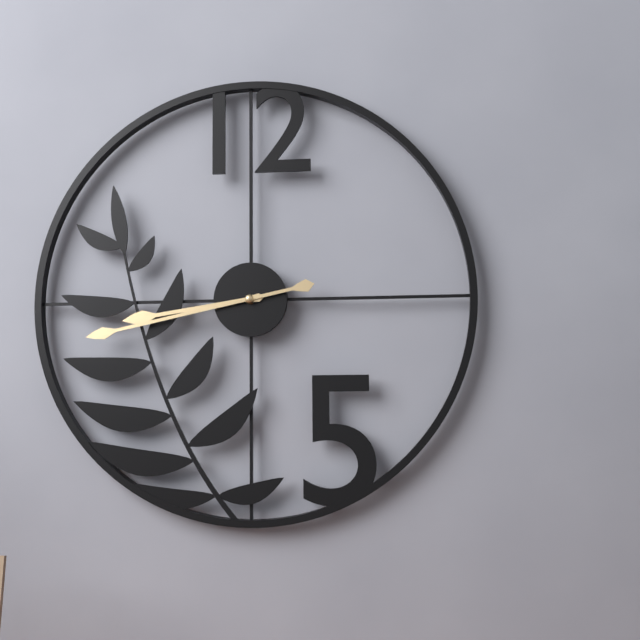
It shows 8.43
